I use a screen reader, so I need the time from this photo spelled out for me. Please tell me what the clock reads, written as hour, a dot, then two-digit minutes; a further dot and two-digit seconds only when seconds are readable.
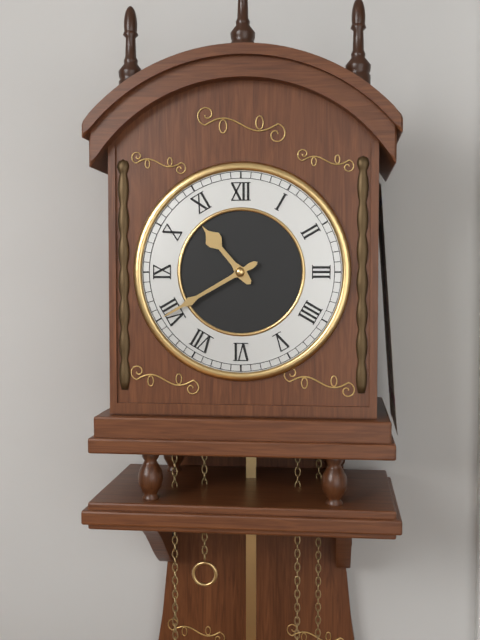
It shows 10.40
